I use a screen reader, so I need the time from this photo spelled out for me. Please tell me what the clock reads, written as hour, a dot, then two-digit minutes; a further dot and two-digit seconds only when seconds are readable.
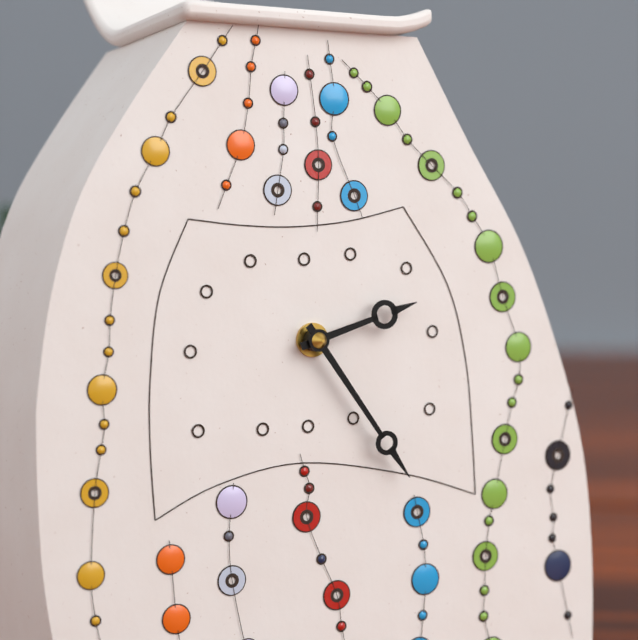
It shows 2.24
